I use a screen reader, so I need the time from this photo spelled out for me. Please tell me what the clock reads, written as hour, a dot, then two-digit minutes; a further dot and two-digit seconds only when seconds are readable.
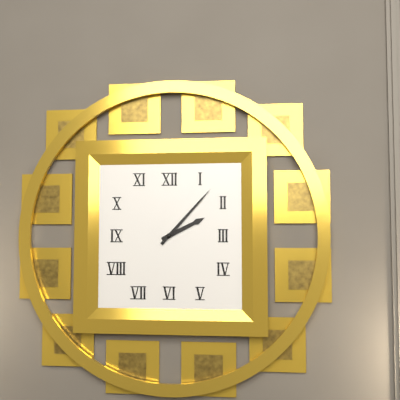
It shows 2.07
